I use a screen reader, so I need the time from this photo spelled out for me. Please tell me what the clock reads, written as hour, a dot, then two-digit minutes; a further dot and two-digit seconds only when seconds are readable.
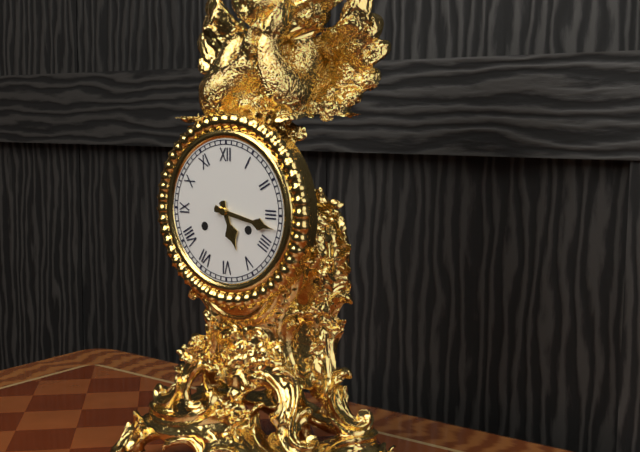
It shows 5.17
